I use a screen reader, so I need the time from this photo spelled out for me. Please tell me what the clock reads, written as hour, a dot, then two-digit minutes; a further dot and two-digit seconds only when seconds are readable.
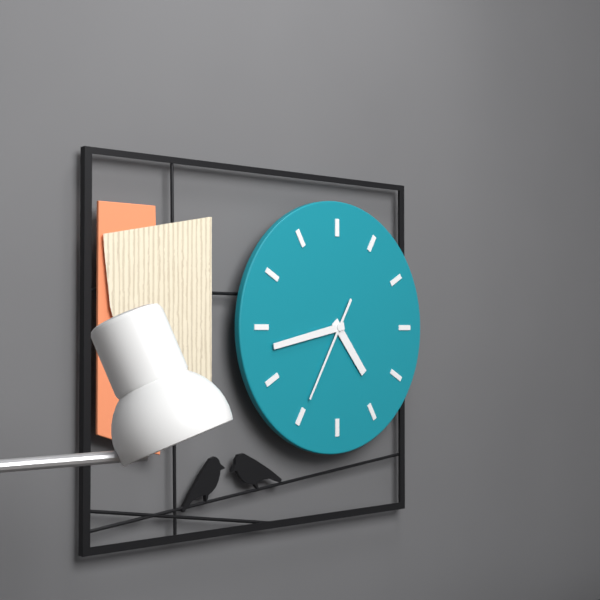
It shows 4.43.35
